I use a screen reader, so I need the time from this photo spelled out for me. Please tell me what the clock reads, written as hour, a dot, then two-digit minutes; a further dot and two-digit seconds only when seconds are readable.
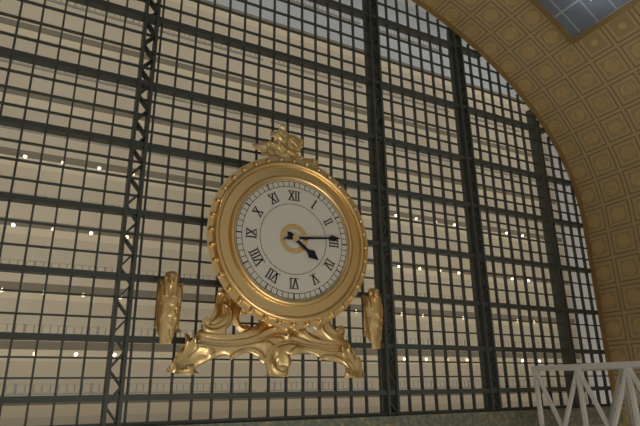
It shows 4.14
